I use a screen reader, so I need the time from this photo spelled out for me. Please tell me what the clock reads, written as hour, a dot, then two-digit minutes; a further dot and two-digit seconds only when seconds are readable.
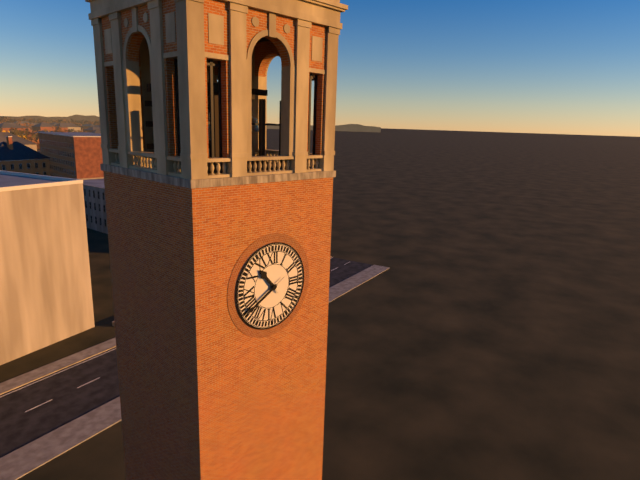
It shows 10.40
